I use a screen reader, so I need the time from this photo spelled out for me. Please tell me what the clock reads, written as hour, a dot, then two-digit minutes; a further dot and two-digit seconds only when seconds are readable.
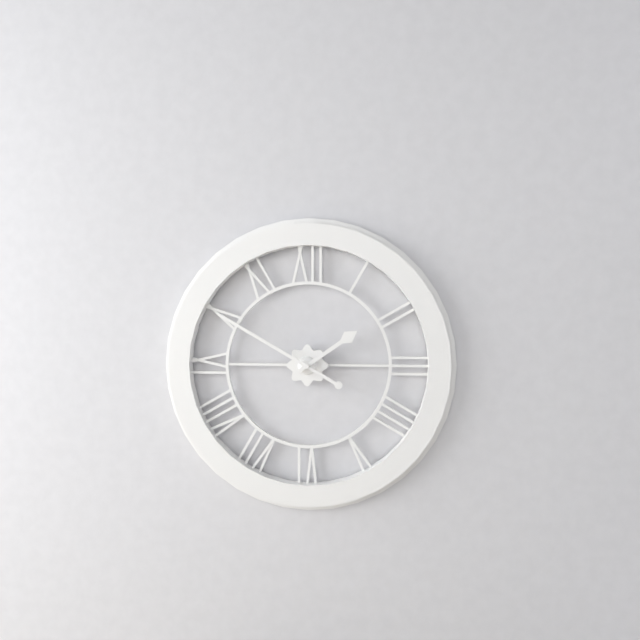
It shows 1.50
